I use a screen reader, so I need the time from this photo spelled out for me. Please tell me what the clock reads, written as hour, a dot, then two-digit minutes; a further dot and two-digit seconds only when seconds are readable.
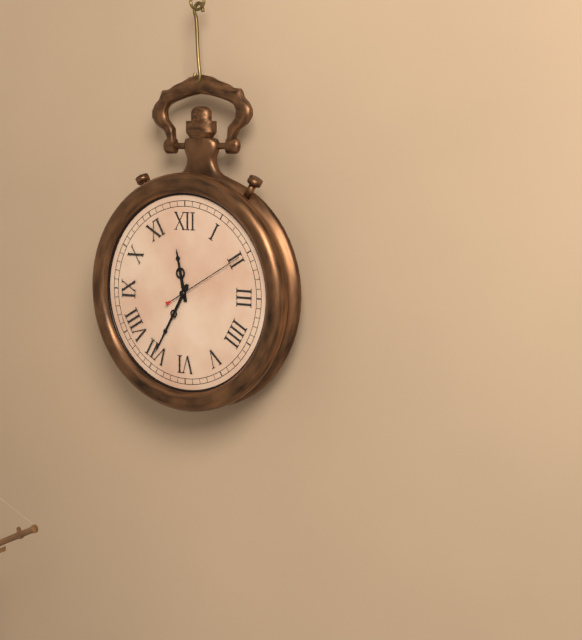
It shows 11.35.10
